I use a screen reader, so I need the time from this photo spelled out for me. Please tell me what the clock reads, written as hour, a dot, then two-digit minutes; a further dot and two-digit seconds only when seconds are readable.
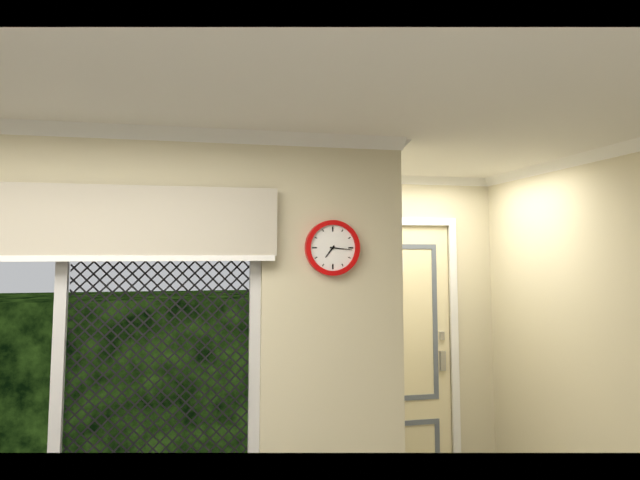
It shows 7.16
